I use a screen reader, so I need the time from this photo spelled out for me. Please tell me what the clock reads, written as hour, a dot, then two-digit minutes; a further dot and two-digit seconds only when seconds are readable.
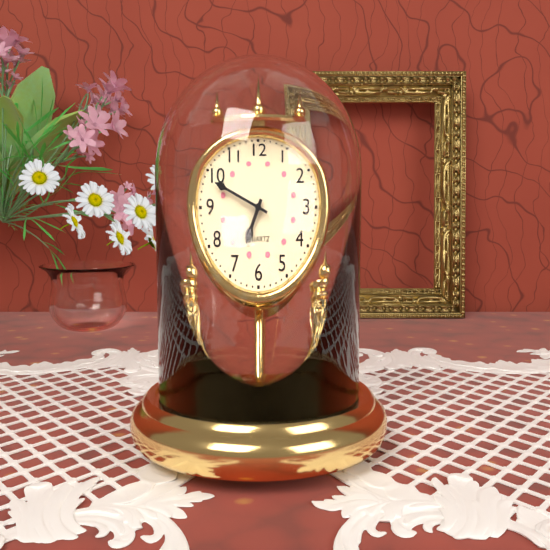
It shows 6.49
